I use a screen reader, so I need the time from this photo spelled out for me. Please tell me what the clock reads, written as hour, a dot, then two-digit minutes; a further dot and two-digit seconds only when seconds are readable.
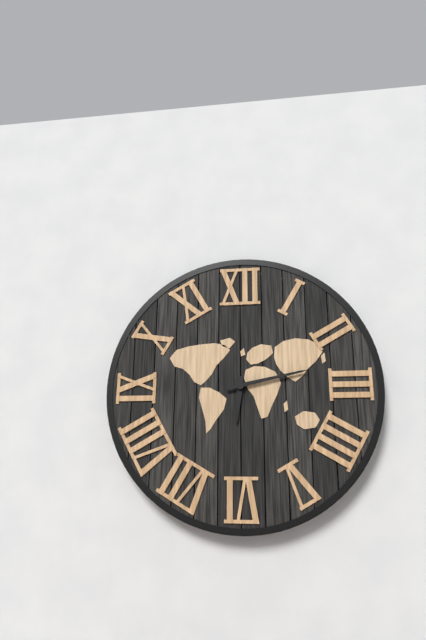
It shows 6.13
